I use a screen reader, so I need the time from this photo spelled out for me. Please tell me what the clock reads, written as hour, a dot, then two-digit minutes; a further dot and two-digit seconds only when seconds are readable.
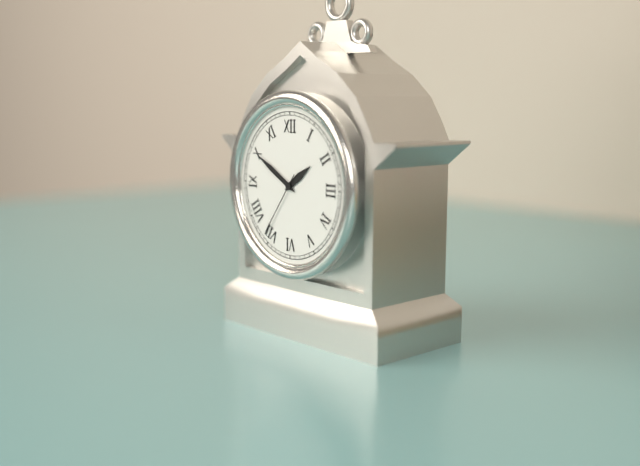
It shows 1.50.36
